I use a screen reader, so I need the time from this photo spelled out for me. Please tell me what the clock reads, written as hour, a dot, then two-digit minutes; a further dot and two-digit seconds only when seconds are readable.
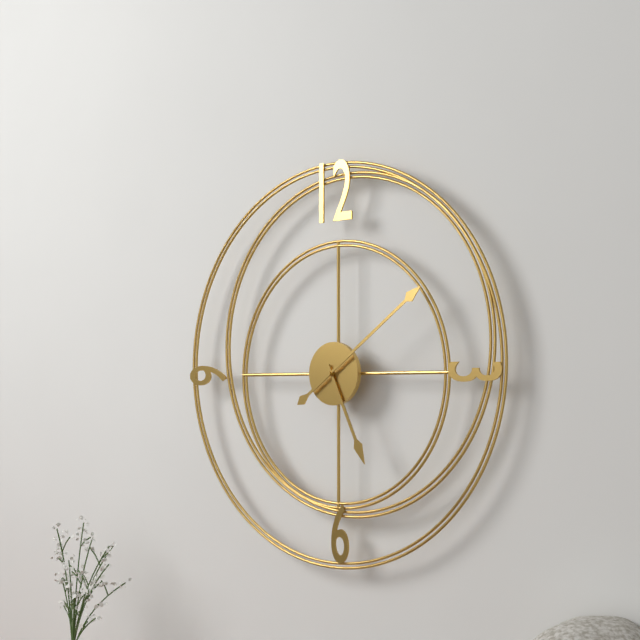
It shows 5.09
